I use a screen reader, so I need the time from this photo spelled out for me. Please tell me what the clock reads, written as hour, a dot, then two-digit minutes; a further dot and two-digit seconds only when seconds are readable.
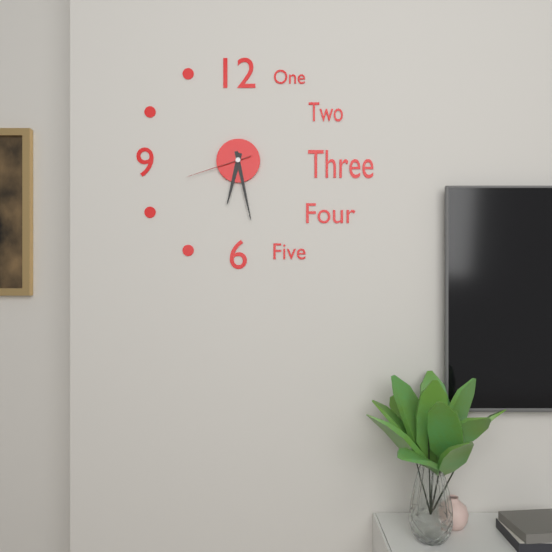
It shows 6.28.42
